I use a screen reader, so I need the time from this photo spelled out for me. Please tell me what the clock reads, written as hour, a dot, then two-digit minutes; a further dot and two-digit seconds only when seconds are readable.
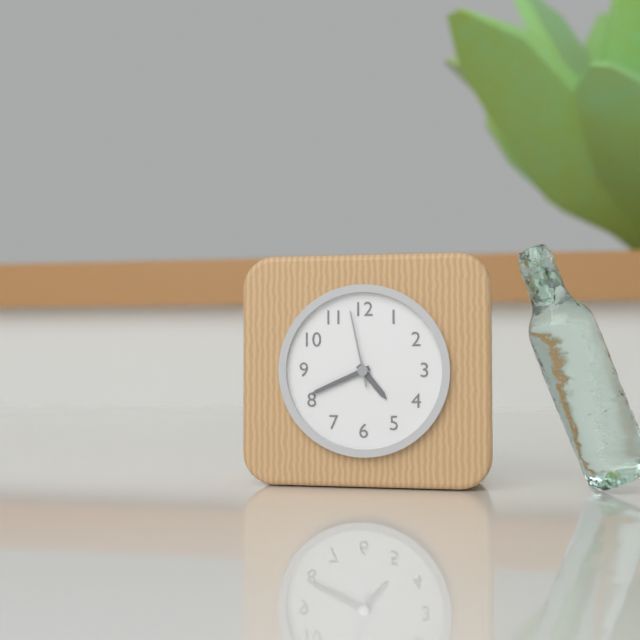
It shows 4.41.58
